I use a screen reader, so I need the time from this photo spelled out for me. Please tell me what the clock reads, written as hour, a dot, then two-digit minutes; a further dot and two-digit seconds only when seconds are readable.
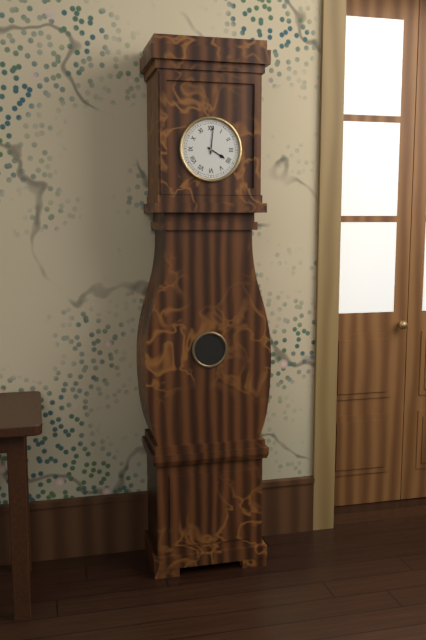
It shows 4.01
